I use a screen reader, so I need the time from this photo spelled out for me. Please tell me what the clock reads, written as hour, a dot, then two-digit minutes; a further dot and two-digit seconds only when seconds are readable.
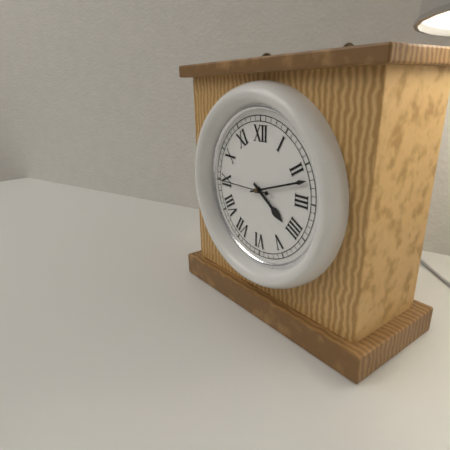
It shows 4.12.45
